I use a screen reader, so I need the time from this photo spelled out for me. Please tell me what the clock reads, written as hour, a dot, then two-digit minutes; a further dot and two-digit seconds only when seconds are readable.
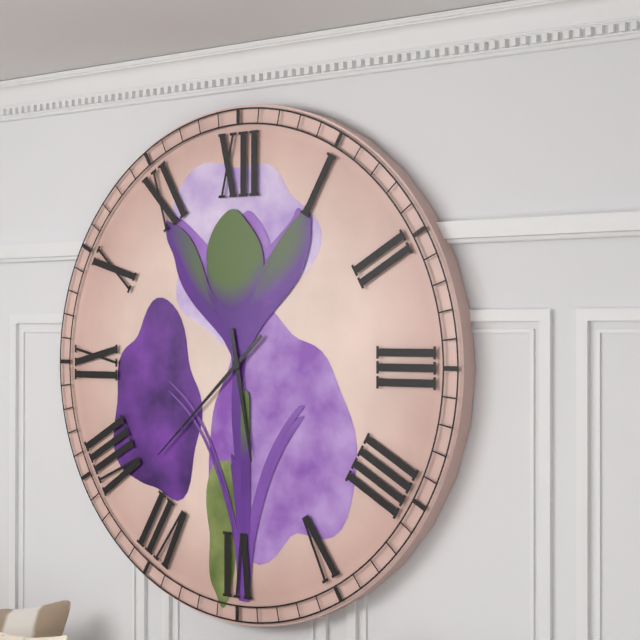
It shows 5.38
